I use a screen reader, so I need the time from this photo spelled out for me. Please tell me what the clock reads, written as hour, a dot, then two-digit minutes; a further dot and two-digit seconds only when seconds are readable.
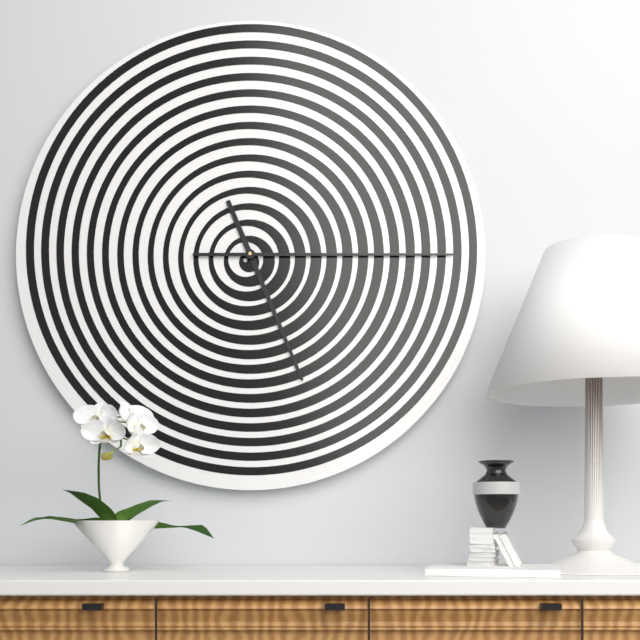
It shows 5.15
